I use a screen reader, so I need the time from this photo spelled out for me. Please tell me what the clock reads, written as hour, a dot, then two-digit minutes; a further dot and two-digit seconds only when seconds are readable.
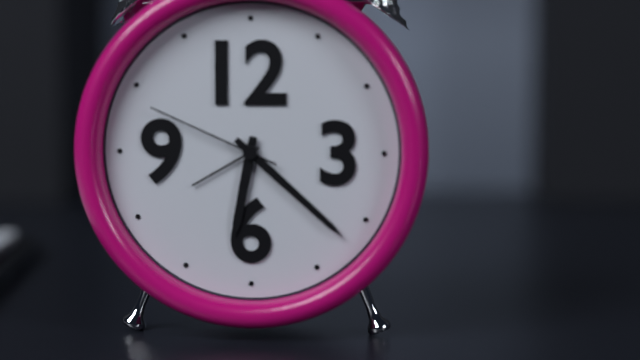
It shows 6.22.49
